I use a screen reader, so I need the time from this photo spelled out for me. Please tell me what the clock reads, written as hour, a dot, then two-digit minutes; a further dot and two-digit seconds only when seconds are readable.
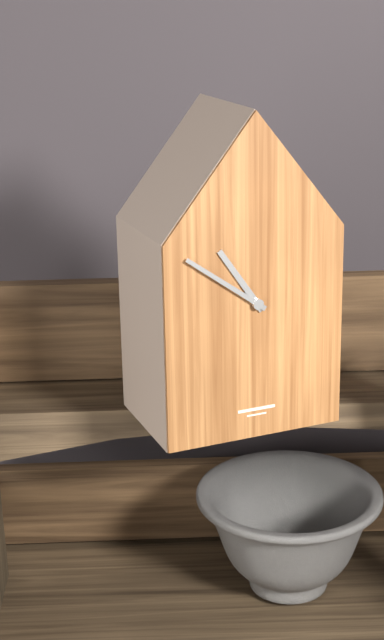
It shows 10.51
